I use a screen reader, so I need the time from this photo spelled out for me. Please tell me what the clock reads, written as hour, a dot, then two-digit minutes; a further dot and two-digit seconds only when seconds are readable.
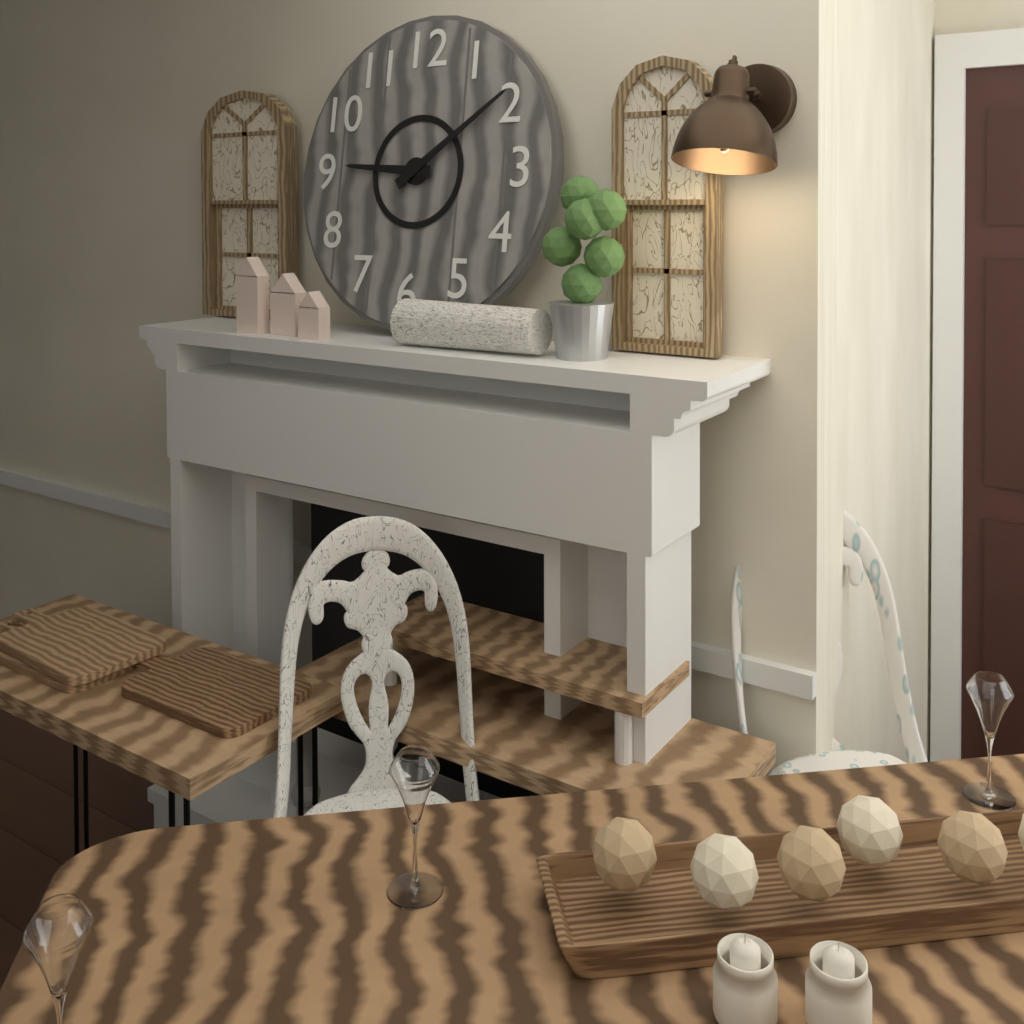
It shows 9.09
